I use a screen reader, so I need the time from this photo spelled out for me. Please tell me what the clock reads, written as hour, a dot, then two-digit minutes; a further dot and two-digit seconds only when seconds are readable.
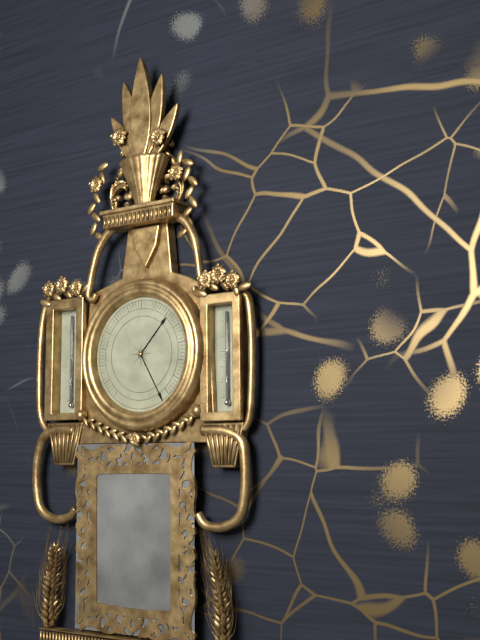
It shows 1.25
